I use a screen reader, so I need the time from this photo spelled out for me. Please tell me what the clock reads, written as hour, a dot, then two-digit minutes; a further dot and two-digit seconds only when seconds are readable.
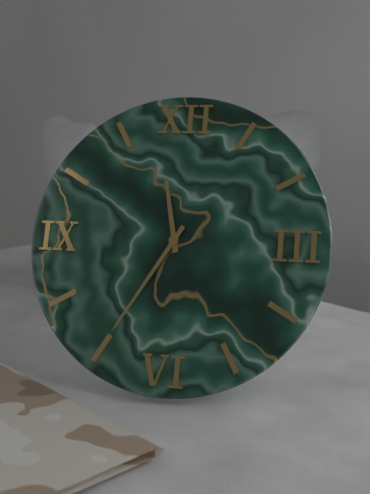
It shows 11.35
